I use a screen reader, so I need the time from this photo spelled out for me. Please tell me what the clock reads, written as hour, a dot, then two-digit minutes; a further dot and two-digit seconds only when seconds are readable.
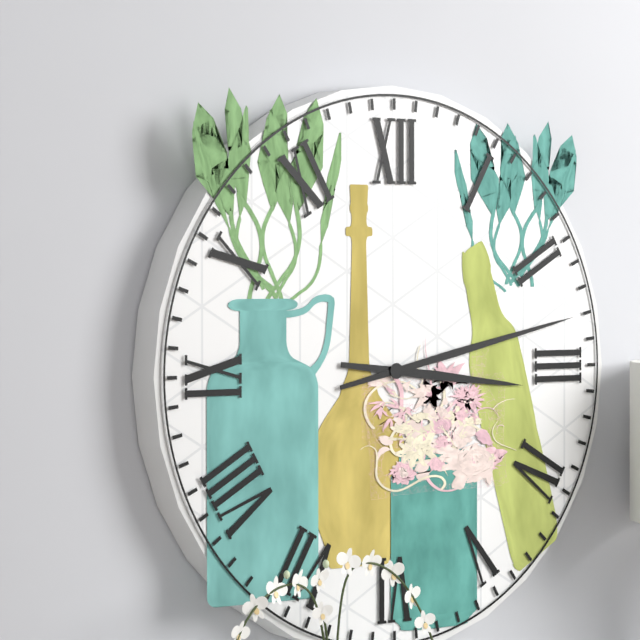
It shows 3.13
